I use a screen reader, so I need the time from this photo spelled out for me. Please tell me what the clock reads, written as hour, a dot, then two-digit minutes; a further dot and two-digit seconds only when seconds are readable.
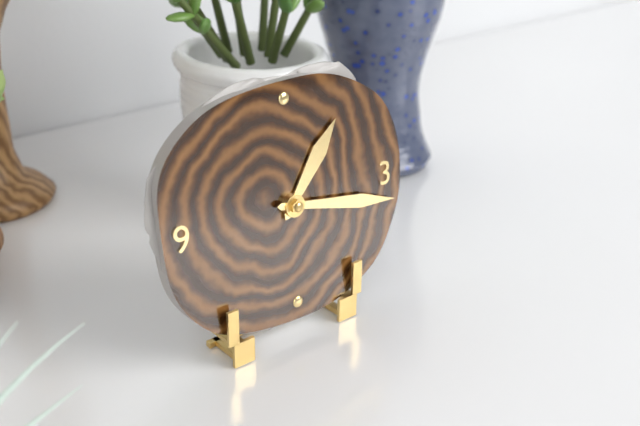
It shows 1.17
